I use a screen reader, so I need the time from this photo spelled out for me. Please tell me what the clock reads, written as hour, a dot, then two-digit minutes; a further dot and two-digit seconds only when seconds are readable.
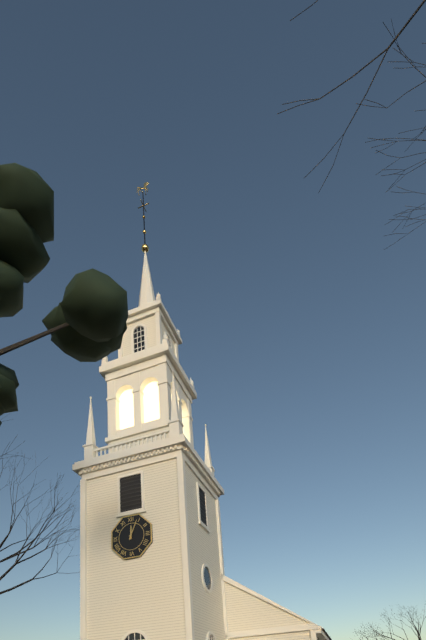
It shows 12.04
